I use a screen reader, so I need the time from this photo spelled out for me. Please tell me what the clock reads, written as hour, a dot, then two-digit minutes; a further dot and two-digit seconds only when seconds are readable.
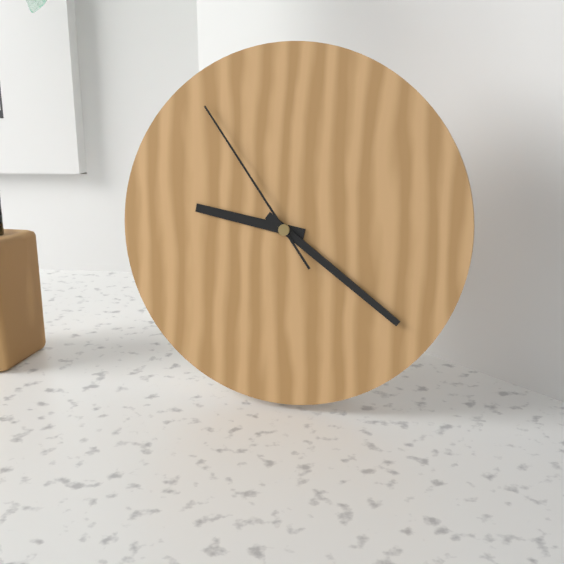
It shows 9.21.54
